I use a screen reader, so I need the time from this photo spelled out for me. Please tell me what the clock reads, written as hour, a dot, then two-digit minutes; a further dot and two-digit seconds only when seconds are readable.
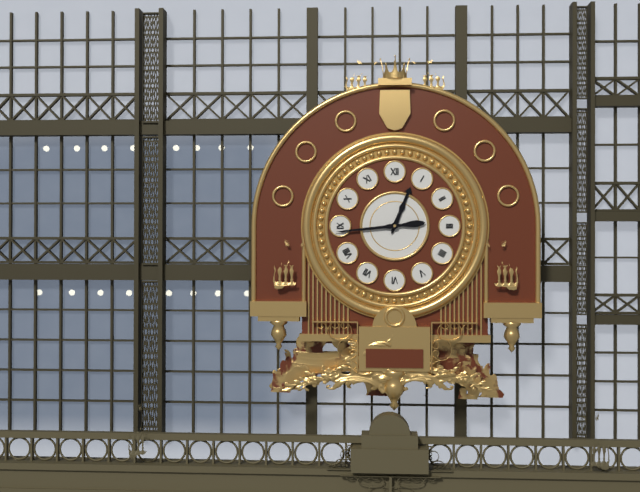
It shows 12.44
